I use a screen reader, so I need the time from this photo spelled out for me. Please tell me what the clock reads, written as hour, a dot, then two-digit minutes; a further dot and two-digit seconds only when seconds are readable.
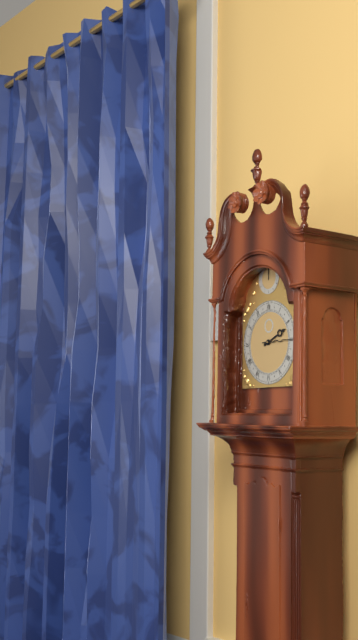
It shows 2.15
